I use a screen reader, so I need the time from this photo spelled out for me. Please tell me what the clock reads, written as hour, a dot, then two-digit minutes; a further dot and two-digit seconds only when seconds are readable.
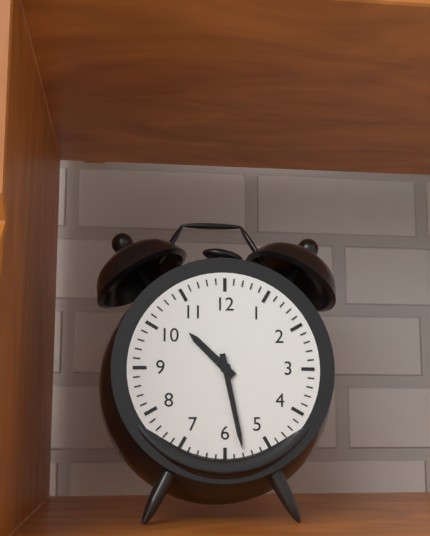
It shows 10.28
